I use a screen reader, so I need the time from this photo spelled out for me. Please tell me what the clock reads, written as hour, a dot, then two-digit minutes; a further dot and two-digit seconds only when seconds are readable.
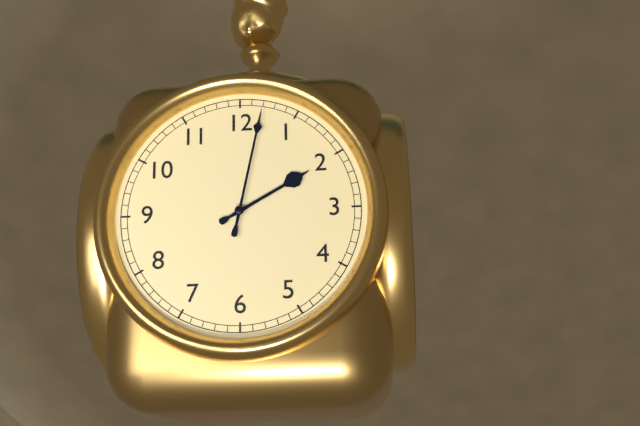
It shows 2.02
